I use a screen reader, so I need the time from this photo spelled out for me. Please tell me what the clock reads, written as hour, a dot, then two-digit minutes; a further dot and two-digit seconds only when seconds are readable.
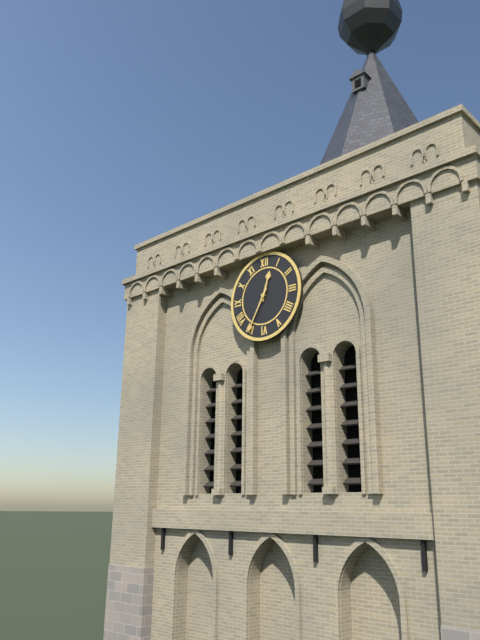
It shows 12.35
